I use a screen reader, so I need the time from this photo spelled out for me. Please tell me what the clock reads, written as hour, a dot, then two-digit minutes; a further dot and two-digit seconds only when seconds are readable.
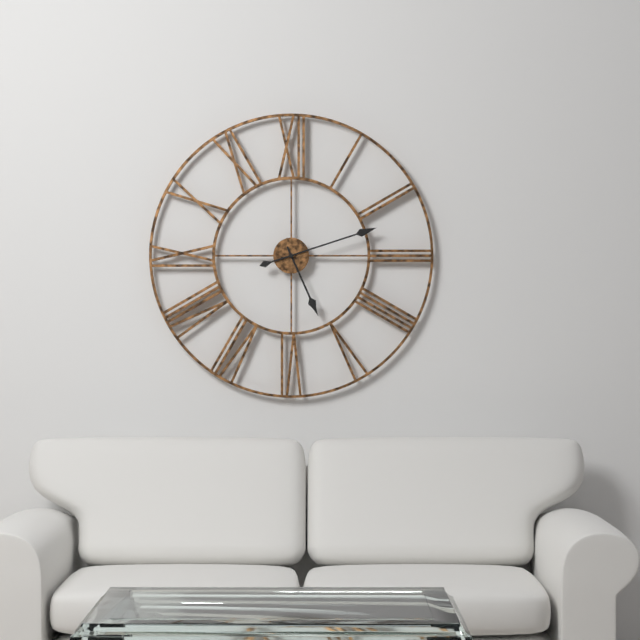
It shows 5.12
